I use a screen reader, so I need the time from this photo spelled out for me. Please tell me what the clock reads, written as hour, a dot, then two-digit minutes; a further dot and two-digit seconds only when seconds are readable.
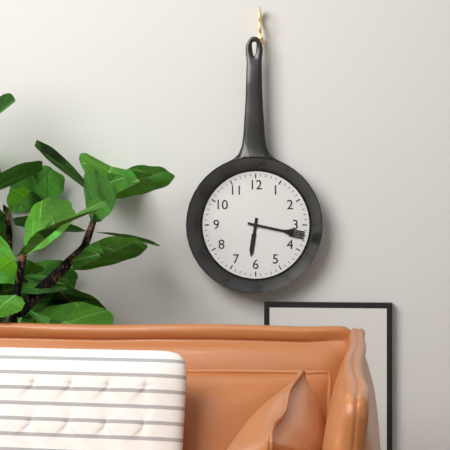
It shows 6.17
